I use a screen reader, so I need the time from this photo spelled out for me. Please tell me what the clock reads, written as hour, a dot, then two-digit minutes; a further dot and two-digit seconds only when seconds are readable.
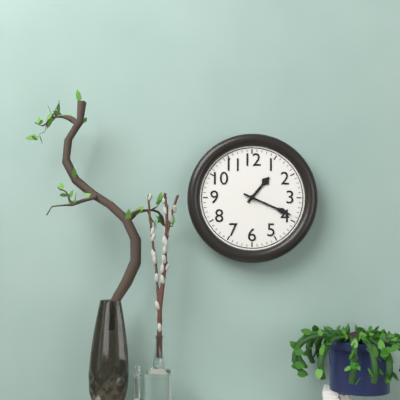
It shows 1.19
